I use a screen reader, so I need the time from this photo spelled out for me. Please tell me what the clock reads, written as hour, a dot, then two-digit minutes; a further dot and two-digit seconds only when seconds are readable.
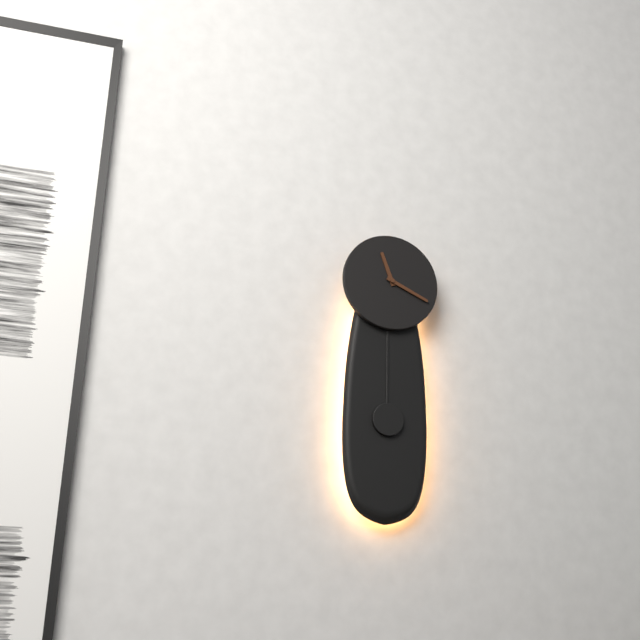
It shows 11.19
